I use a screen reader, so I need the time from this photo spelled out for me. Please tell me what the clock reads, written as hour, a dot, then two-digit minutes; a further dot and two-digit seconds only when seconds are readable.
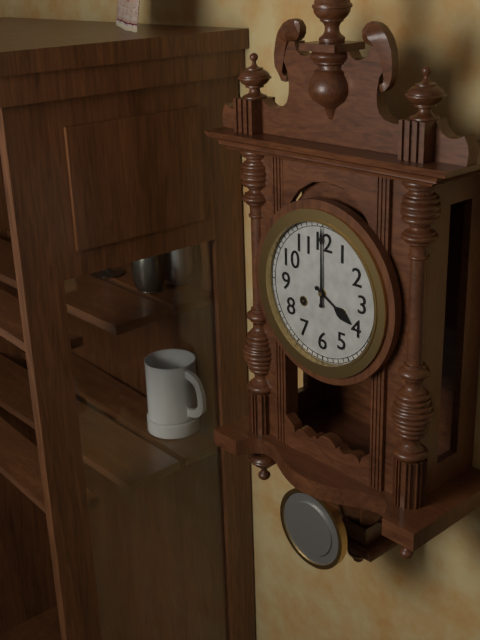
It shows 4.00
